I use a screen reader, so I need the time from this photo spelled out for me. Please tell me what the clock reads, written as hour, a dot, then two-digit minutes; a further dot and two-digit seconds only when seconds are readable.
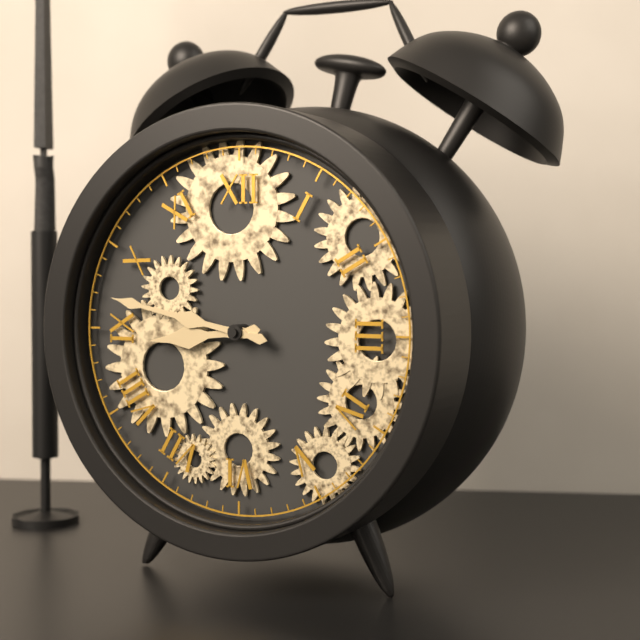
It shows 8.47
